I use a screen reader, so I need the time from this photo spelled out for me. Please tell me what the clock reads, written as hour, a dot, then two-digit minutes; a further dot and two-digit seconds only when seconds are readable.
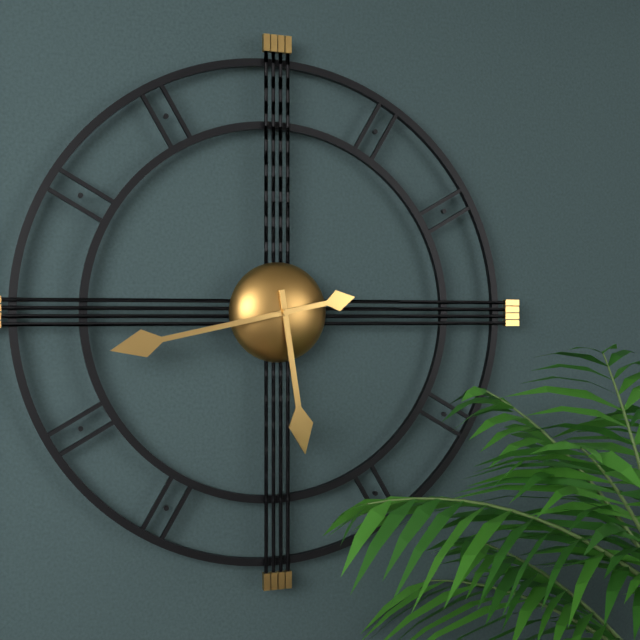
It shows 5.43
